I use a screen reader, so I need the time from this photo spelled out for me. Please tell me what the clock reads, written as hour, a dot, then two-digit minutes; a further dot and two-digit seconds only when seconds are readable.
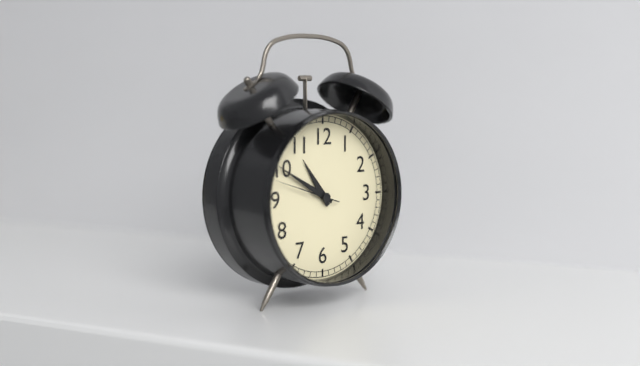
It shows 10.50.48
